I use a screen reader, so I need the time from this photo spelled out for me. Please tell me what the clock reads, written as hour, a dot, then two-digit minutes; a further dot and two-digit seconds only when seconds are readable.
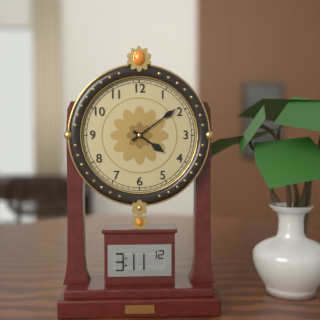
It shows 4.09
